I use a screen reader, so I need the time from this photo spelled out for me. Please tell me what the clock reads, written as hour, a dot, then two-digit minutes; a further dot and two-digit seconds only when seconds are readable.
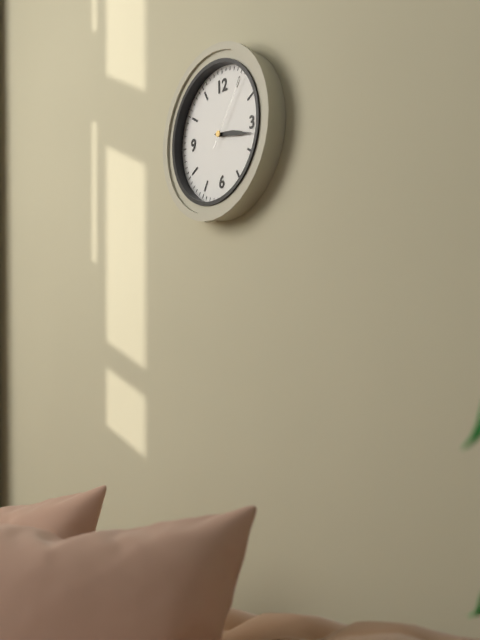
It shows 3.17.06
